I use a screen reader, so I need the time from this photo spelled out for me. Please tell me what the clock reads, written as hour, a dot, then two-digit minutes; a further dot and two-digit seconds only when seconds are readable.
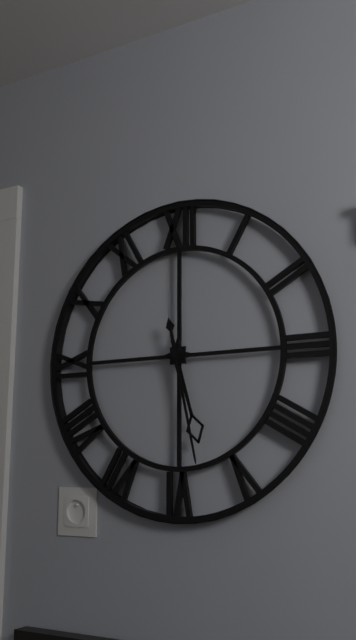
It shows 5.28
